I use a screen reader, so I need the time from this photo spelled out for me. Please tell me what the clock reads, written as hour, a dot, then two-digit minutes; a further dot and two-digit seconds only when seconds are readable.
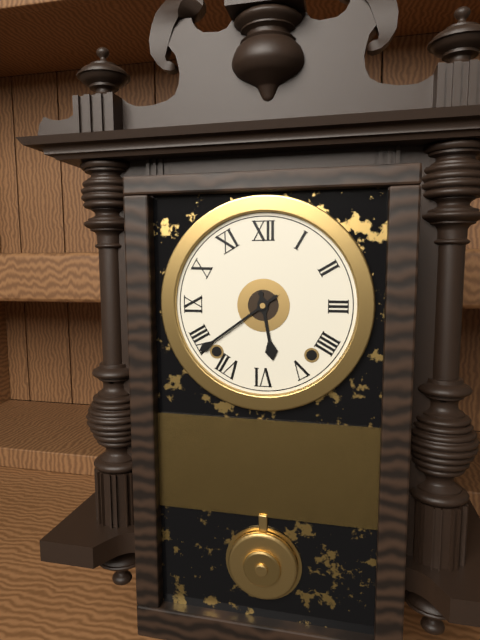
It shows 5.39
